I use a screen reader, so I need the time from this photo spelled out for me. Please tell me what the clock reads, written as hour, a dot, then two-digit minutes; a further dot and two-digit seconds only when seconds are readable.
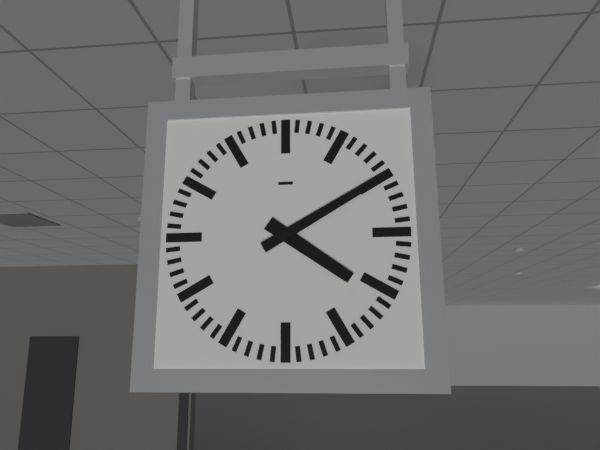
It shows 4.10
